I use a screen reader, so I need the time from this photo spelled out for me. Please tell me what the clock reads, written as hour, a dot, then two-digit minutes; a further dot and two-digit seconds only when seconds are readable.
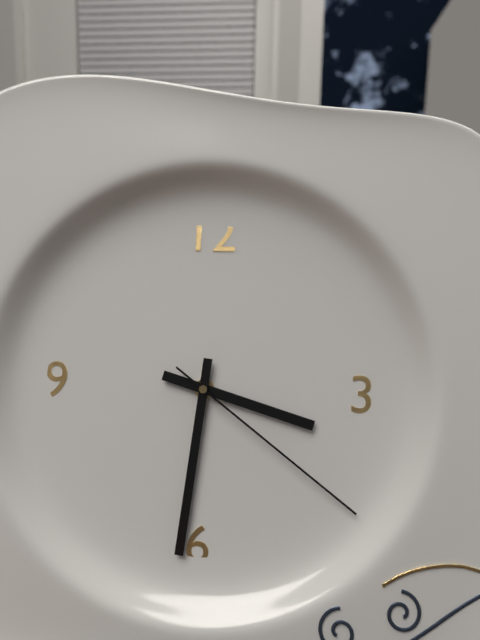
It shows 3.31.21
